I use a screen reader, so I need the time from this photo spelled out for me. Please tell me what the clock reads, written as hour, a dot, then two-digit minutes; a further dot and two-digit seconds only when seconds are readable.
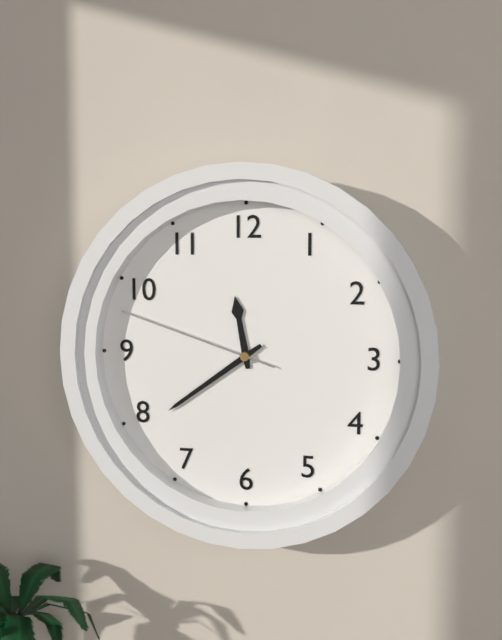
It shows 11.39.48
